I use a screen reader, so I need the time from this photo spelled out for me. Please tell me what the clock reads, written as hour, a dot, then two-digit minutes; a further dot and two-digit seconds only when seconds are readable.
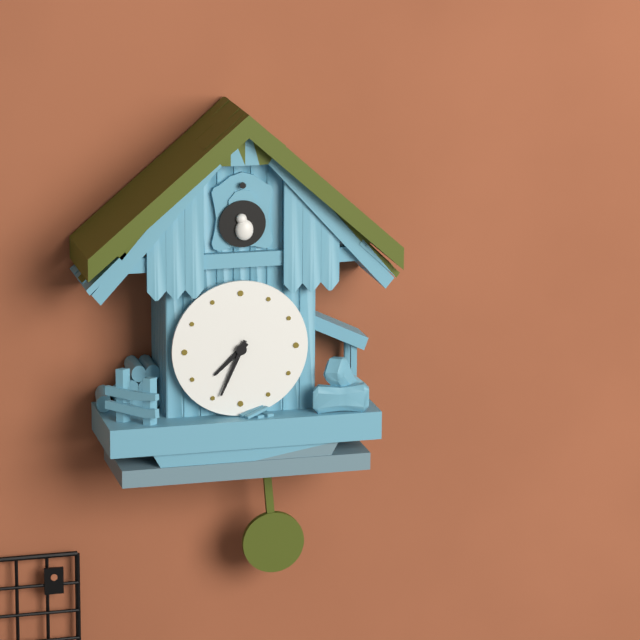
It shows 7.34
